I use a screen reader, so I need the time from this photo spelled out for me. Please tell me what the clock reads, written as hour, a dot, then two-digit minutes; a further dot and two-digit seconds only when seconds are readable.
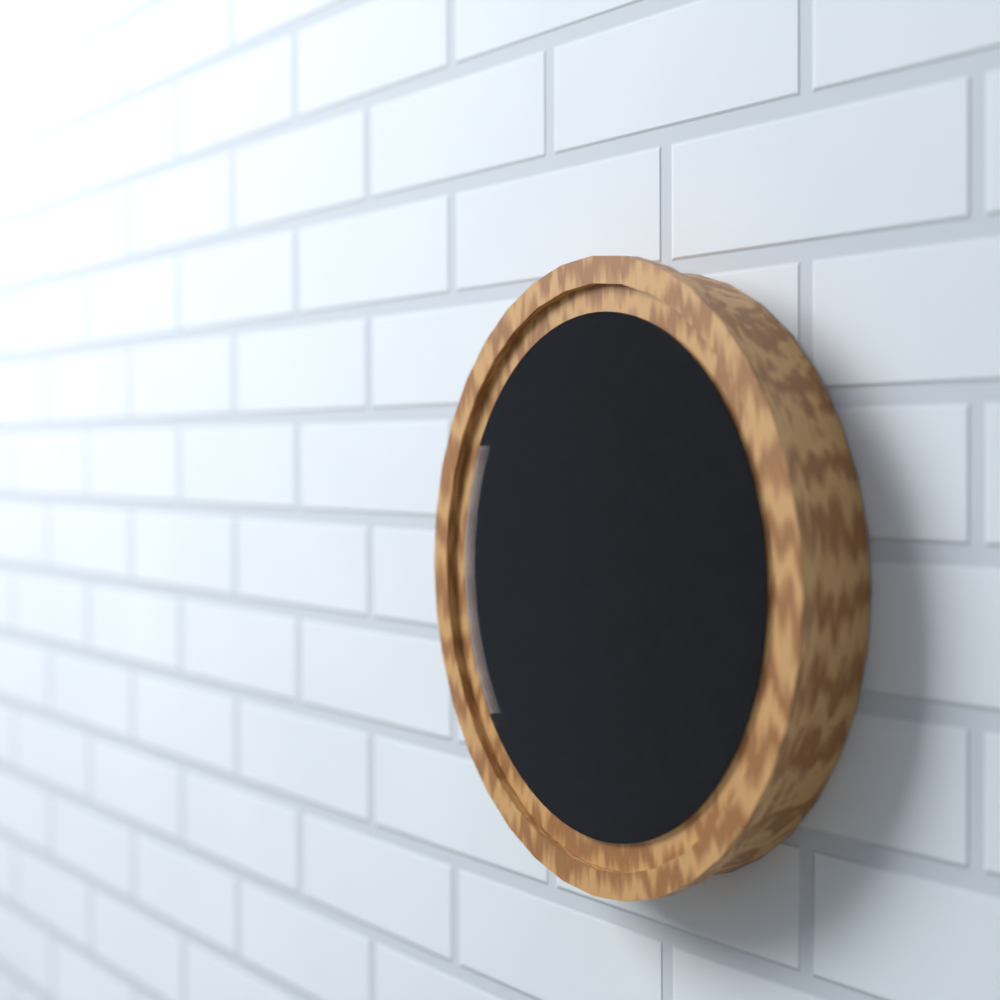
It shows 10.33.20
